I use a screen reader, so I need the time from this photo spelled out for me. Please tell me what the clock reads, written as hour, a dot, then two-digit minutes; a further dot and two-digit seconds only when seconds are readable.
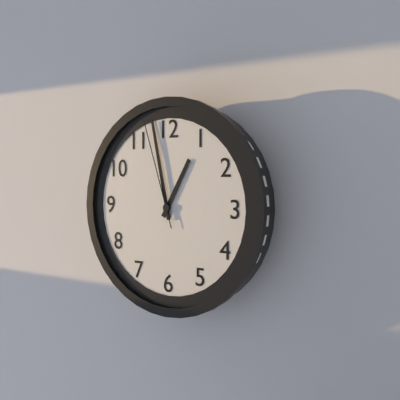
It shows 12.58.57
